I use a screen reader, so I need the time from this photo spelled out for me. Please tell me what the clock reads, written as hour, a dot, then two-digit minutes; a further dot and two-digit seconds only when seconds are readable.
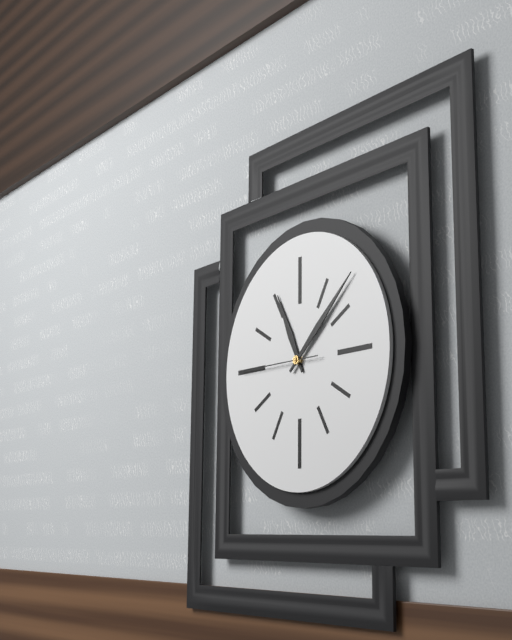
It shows 11.08.45
